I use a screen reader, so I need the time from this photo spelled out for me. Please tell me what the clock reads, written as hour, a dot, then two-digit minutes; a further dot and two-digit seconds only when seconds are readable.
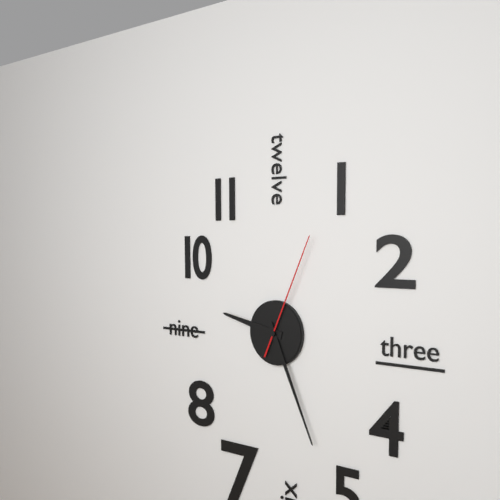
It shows 9.26.04
